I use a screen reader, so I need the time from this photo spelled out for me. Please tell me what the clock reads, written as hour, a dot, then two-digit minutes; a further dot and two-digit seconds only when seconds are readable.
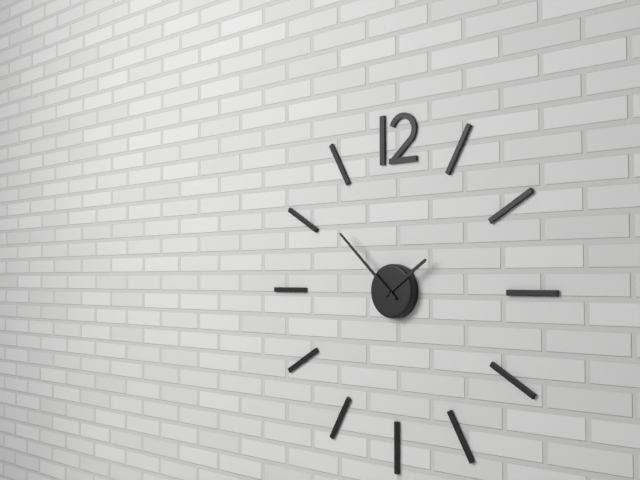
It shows 1.52
